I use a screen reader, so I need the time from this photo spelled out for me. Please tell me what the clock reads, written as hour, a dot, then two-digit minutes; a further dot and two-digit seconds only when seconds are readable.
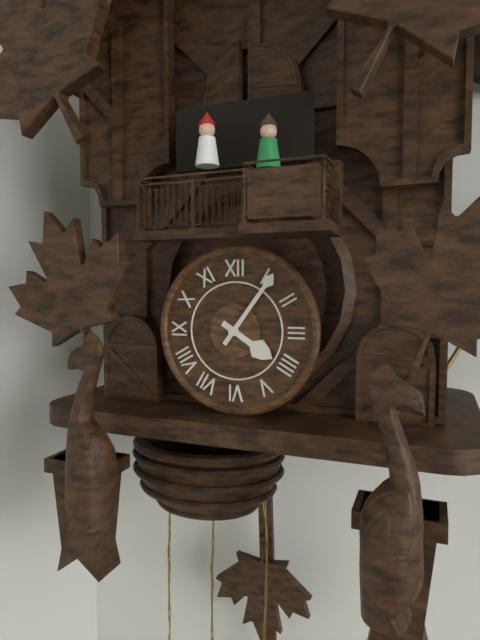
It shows 4.06
